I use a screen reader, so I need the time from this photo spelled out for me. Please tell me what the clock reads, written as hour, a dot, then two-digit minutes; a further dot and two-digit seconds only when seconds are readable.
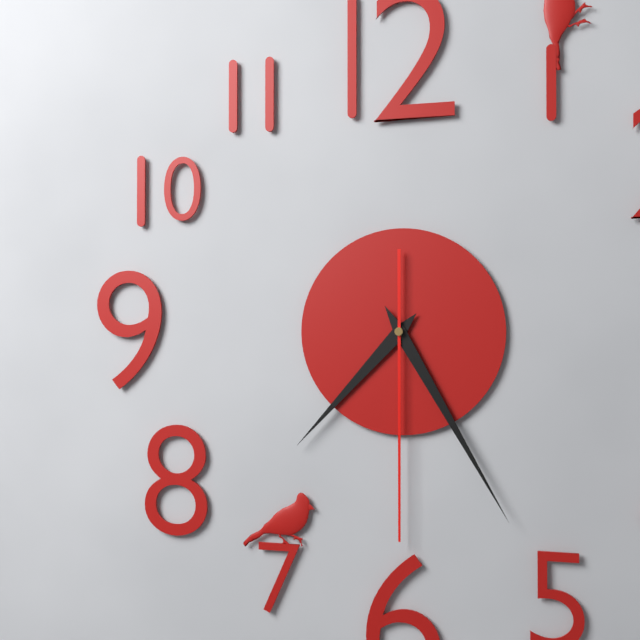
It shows 7.25.30
